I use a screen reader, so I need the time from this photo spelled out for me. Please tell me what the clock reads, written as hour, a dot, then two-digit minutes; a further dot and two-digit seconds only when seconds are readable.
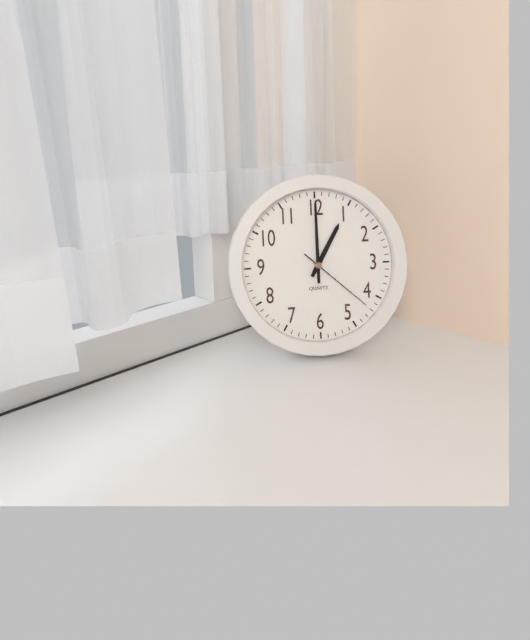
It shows 1.00.22
